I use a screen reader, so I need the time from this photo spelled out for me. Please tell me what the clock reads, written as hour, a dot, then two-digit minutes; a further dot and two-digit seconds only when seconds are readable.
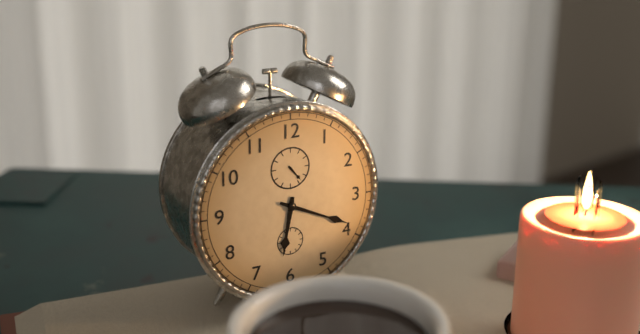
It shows 6.19
